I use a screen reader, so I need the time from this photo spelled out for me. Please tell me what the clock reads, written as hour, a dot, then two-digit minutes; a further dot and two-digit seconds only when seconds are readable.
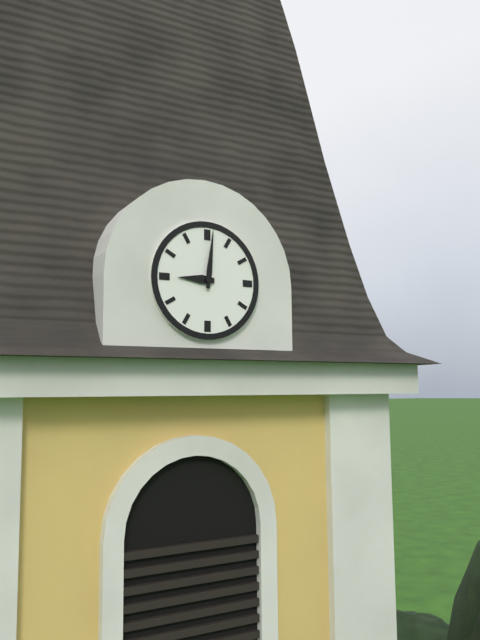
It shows 9.01
